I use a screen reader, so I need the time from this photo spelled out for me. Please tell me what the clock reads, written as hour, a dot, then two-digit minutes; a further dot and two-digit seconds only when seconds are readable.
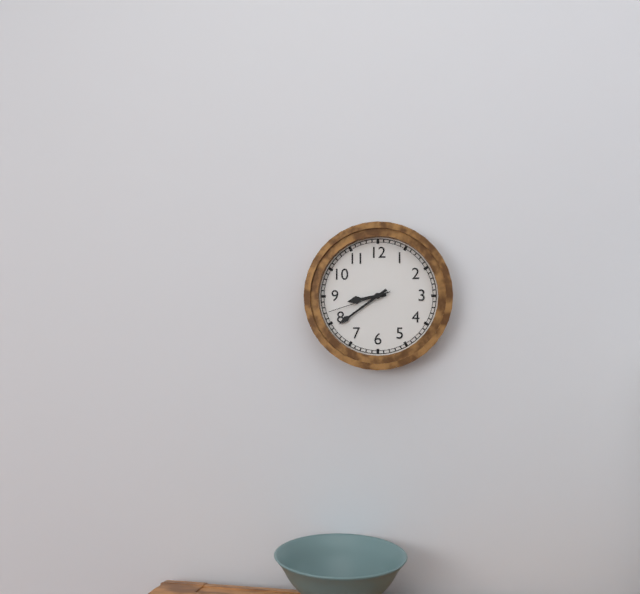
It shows 8.39.42
